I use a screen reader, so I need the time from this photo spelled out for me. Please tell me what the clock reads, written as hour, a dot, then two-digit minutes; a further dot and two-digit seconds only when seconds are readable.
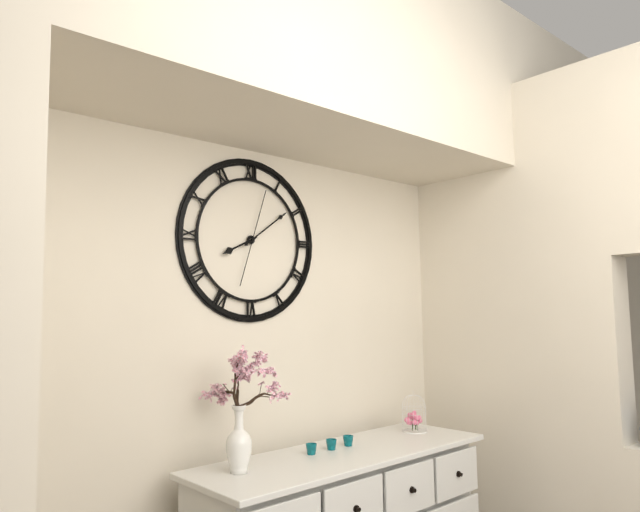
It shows 8.09.03
